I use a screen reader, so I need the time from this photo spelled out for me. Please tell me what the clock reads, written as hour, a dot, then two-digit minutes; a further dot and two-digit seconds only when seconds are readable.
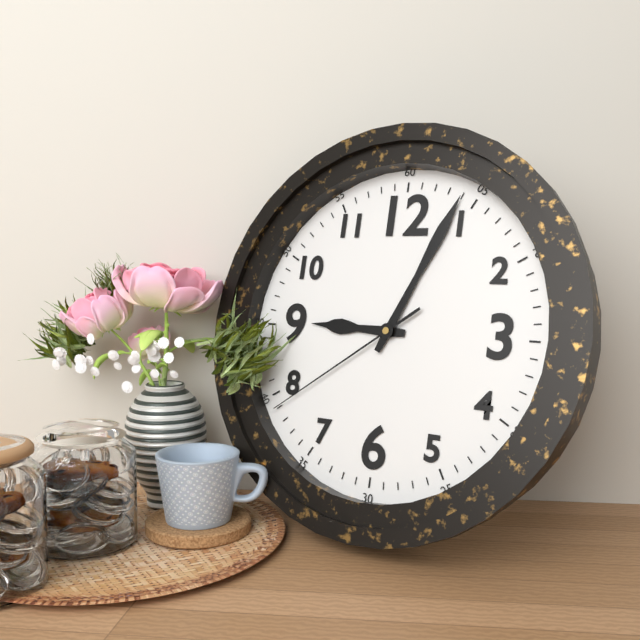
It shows 9.04.39
